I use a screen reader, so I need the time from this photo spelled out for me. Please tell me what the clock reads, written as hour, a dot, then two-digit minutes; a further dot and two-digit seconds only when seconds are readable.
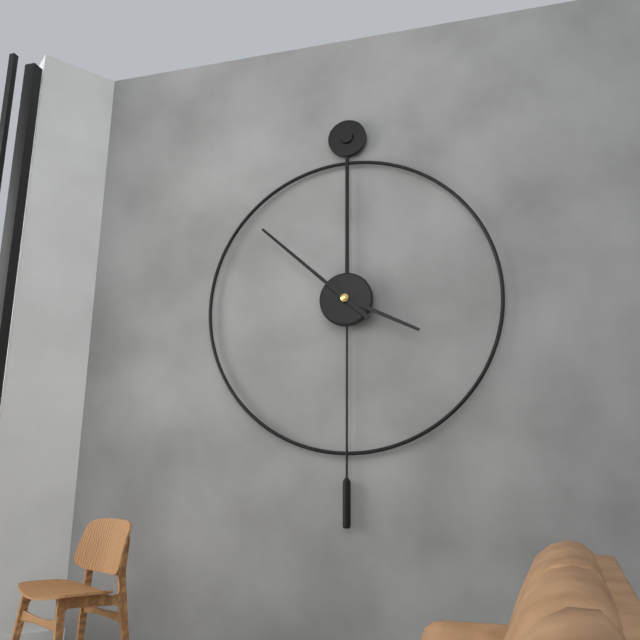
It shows 3.52
